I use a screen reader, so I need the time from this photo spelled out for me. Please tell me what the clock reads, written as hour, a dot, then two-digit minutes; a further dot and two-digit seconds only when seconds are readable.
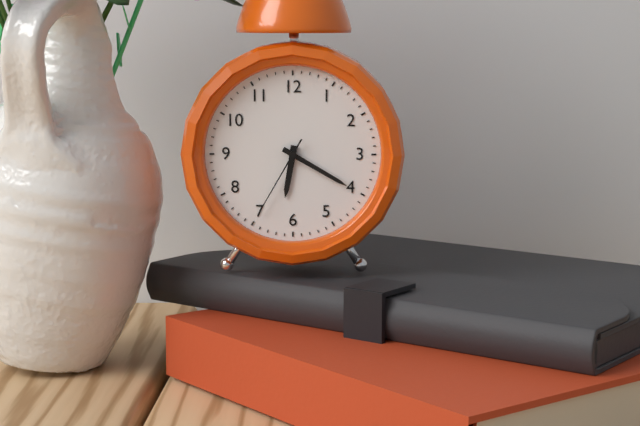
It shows 6.20.35
